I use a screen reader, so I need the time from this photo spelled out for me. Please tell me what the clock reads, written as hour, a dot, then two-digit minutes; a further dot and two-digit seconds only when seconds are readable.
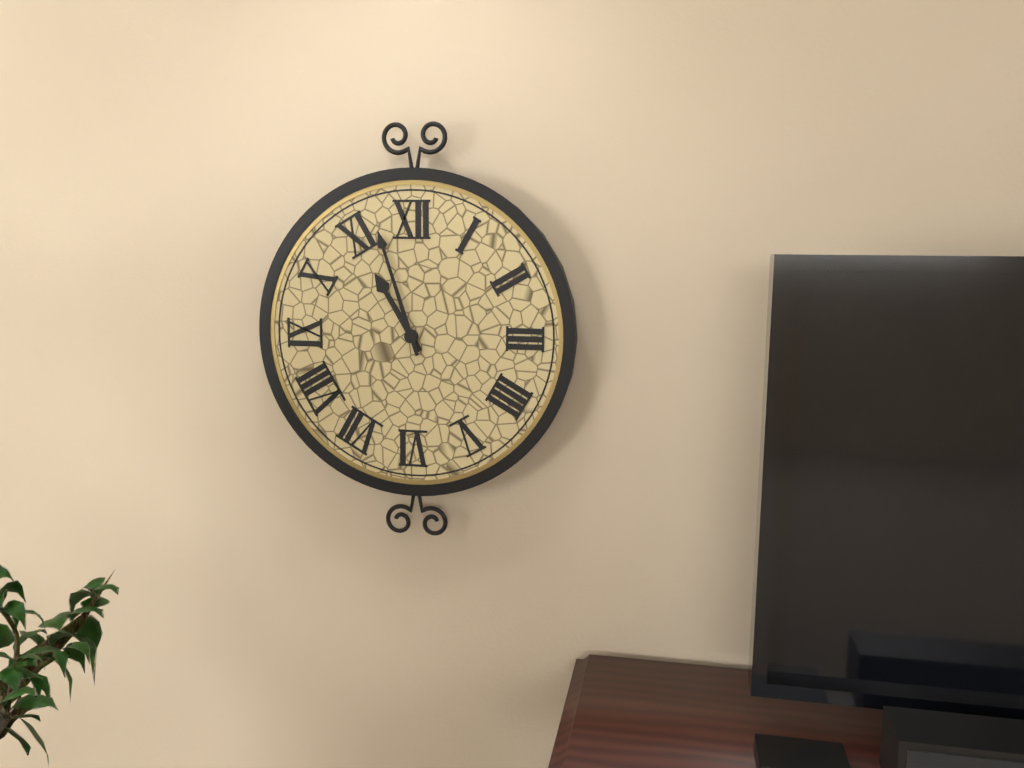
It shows 10.57
